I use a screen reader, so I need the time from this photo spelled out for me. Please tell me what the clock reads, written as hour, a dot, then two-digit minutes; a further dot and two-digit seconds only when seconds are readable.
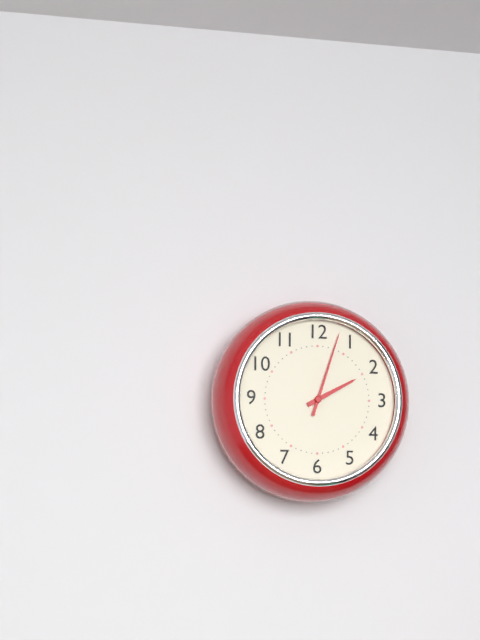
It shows 2.03
